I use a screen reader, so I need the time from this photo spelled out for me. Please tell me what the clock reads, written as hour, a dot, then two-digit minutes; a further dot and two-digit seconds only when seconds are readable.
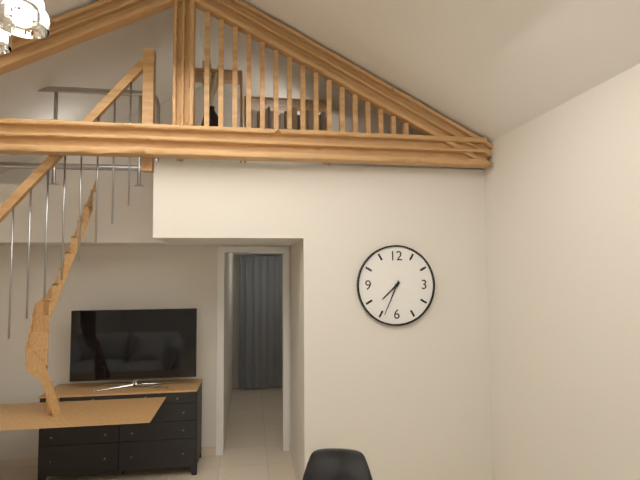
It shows 7.34
